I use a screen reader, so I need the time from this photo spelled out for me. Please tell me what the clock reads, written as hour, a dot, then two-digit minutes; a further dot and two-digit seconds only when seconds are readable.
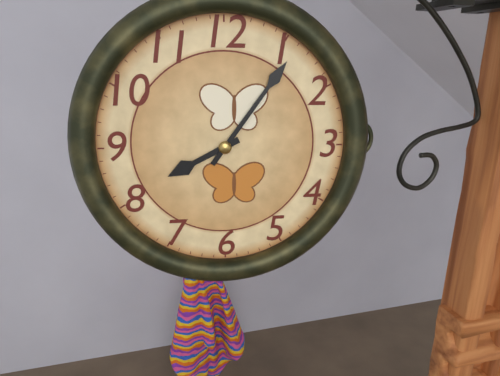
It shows 8.06
